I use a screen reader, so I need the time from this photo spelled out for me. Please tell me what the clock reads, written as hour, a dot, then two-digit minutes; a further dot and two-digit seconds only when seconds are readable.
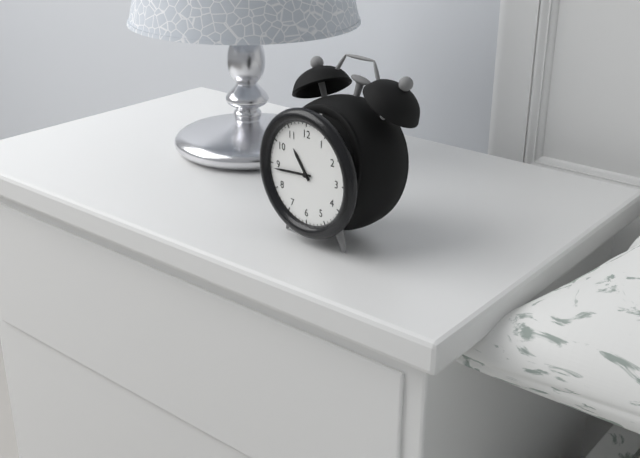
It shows 10.44
